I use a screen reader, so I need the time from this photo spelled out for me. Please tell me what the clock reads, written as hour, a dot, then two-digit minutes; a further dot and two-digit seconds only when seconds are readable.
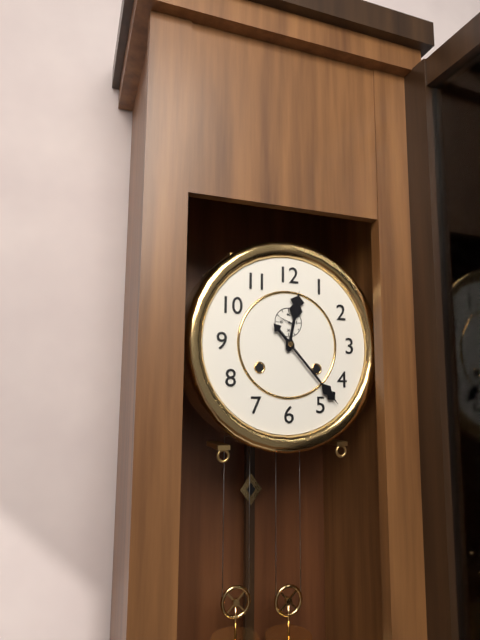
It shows 12.23
